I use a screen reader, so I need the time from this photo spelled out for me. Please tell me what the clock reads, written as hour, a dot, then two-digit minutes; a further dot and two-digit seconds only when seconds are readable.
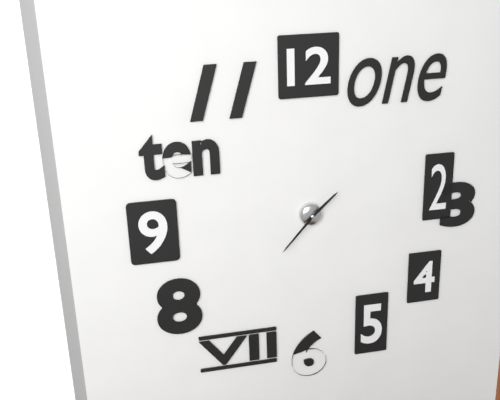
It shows 1.37
